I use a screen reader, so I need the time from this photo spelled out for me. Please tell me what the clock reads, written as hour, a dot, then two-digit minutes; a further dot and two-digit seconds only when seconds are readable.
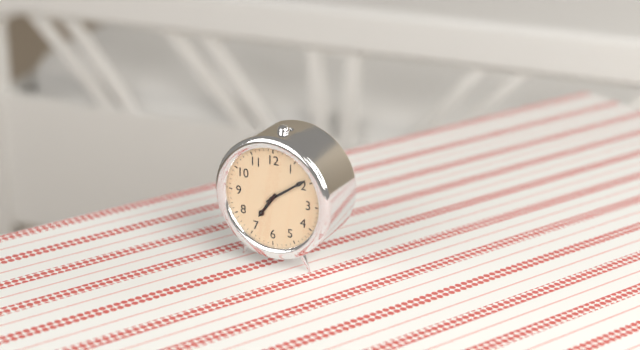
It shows 7.09
